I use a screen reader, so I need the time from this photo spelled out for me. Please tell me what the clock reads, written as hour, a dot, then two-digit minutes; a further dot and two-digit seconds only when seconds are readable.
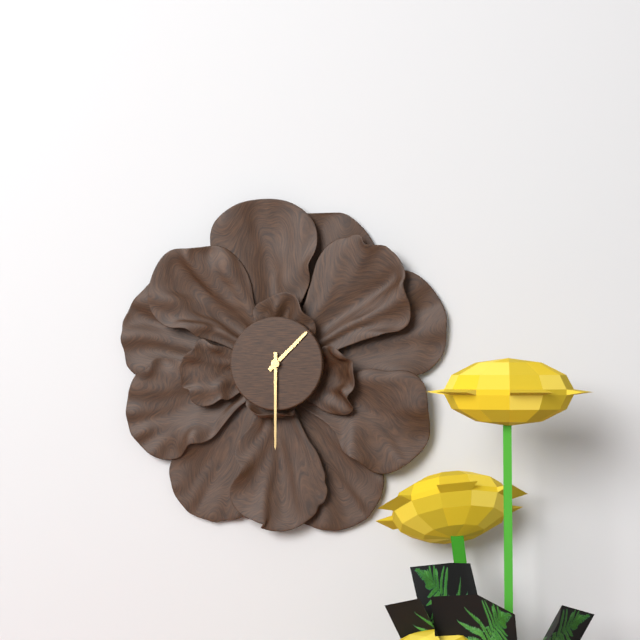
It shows 1.30
